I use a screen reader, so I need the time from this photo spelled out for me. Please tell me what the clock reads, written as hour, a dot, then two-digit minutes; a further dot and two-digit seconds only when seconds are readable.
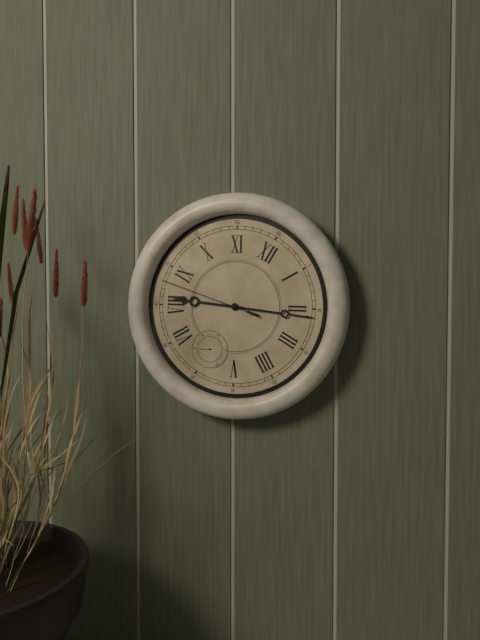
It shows 8.11.43
